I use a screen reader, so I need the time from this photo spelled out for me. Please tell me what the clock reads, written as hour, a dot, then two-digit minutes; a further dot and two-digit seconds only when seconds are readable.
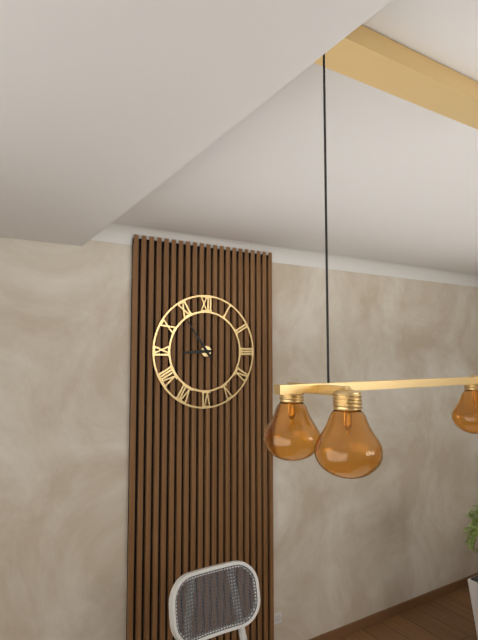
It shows 8.54
